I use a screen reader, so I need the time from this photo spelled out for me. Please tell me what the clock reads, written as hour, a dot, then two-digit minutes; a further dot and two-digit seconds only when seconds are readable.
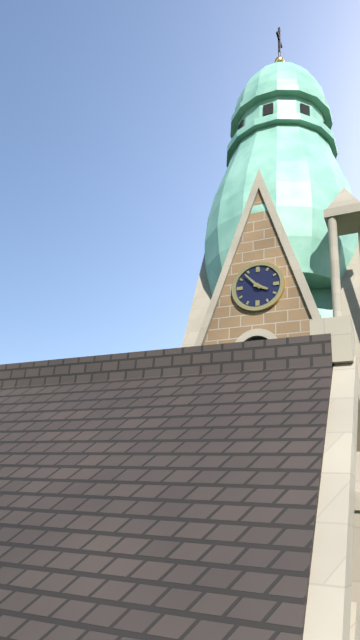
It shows 3.53
